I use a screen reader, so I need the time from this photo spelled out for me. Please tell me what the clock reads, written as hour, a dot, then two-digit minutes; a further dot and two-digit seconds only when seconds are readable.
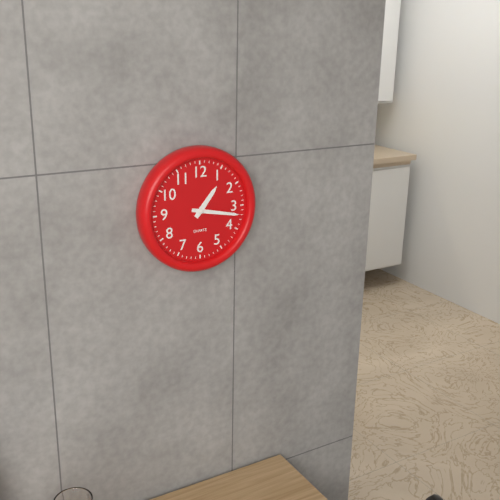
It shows 1.17
